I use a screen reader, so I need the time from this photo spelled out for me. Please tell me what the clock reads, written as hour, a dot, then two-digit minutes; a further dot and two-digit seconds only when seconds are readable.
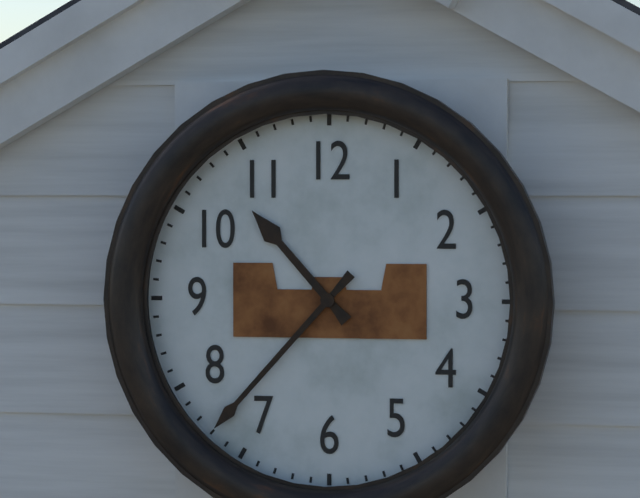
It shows 10.37
